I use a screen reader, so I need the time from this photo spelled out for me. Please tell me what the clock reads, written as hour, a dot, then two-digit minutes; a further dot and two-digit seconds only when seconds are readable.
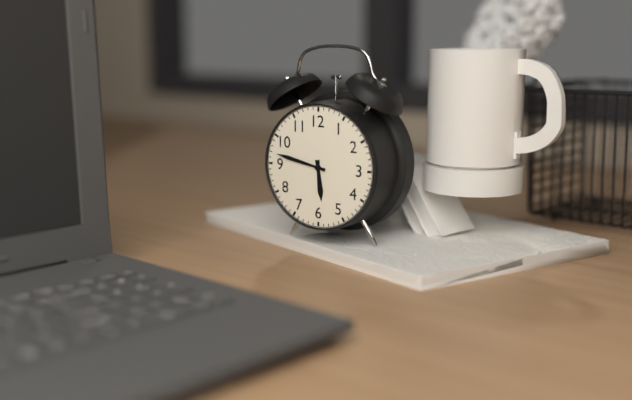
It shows 5.47
